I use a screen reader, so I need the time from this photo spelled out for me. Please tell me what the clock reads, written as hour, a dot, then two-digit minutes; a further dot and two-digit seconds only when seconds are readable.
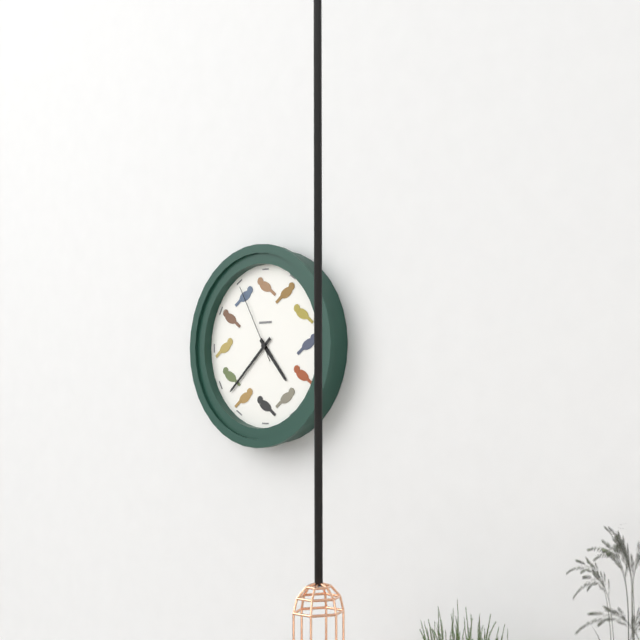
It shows 4.38.55
